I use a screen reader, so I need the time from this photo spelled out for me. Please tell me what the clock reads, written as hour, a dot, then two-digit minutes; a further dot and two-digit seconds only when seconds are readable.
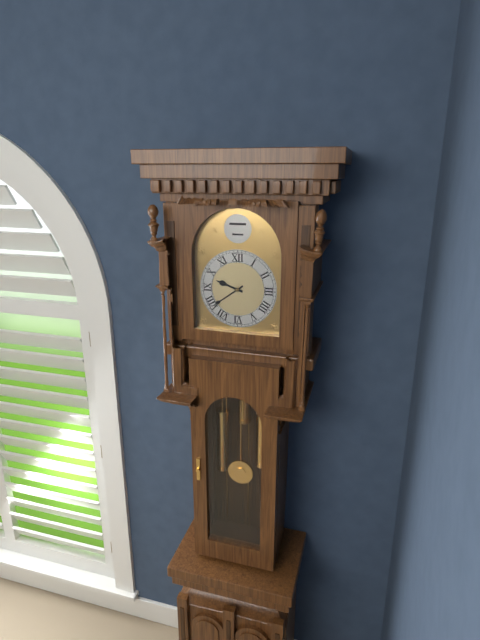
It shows 9.39
